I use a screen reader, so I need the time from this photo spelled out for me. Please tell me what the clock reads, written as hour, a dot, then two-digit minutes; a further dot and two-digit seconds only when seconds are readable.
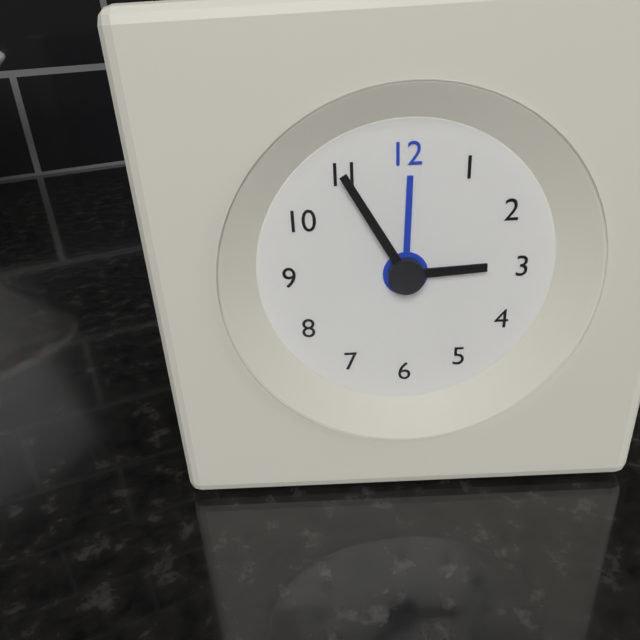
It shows 2.55
